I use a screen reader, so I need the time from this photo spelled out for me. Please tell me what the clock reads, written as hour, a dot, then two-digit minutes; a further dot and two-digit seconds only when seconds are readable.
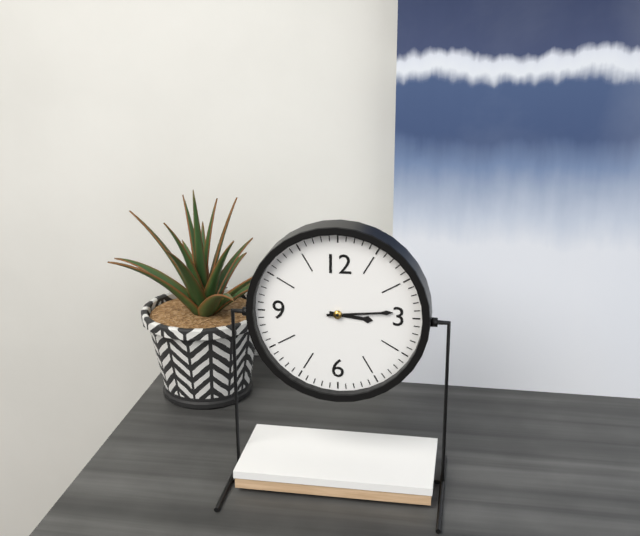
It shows 3.14
